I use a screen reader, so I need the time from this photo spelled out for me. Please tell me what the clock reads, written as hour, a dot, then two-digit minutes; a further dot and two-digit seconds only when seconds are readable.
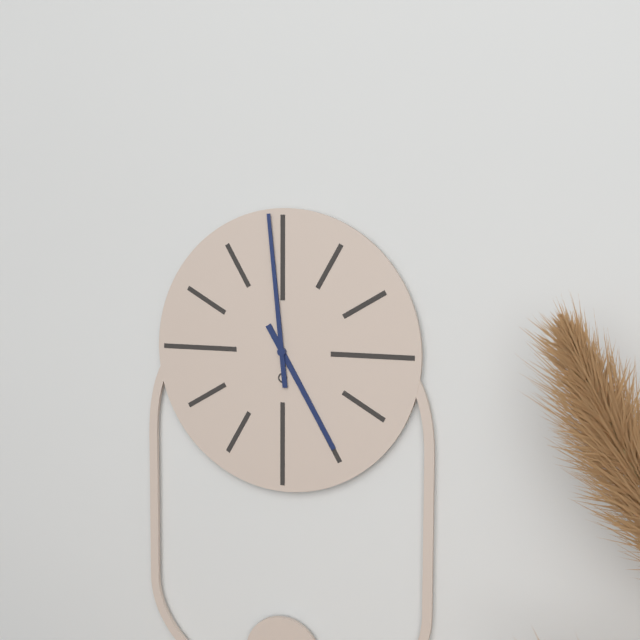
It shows 4.59
